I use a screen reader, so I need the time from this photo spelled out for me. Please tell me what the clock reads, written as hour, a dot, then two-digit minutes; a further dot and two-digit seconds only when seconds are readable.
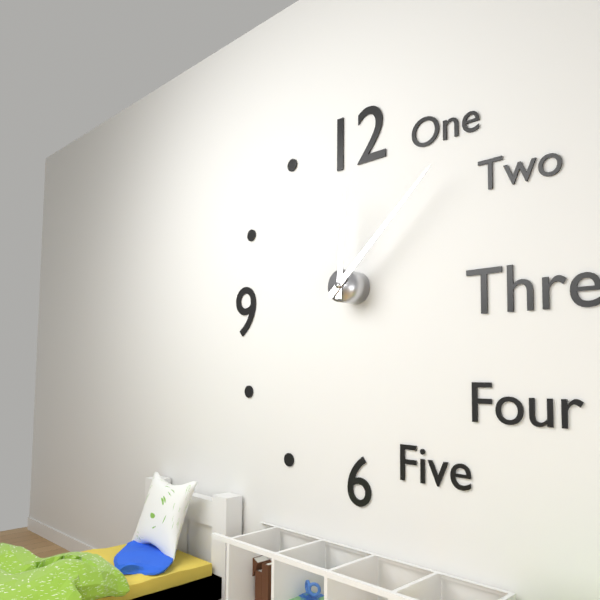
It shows 12.08
